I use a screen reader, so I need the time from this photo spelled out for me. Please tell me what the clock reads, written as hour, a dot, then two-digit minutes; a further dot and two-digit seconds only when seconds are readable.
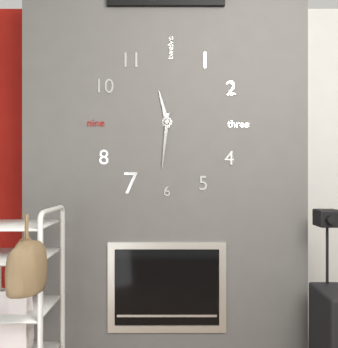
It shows 11.31
